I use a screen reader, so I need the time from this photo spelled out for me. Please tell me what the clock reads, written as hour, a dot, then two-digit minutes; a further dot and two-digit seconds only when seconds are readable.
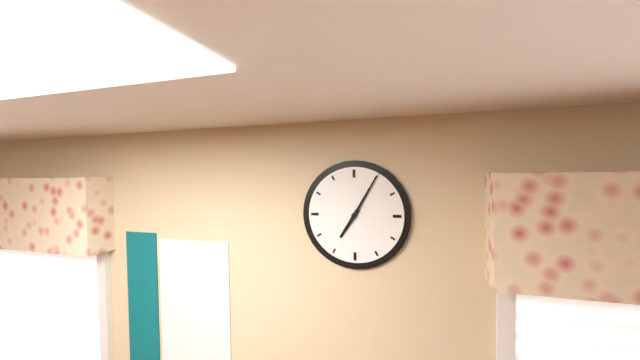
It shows 7.05
